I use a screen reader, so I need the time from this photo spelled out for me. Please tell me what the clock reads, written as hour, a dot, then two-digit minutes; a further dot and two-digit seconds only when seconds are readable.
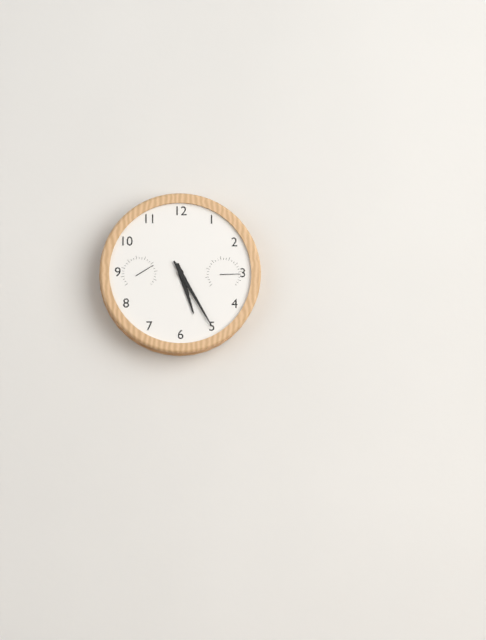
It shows 5.25
